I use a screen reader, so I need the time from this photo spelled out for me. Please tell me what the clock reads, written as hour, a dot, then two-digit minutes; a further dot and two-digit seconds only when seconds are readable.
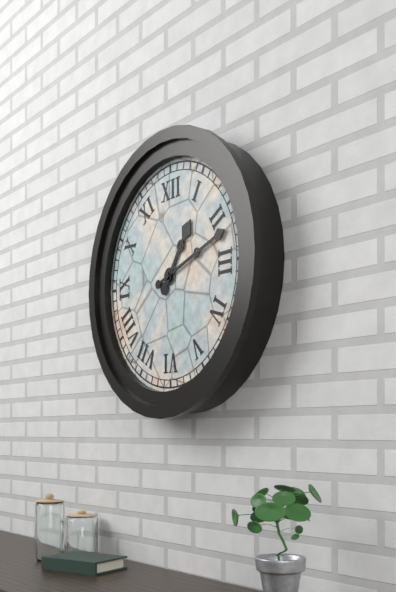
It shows 1.12
